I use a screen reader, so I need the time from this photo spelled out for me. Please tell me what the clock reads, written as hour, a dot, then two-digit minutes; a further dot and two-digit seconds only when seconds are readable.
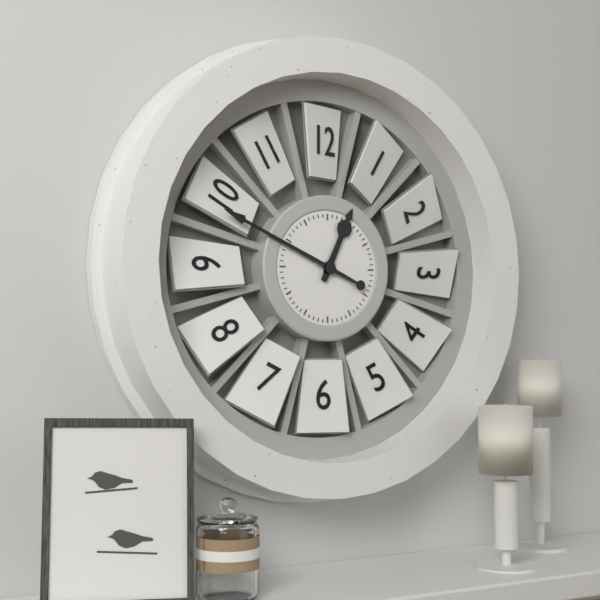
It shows 12.49
